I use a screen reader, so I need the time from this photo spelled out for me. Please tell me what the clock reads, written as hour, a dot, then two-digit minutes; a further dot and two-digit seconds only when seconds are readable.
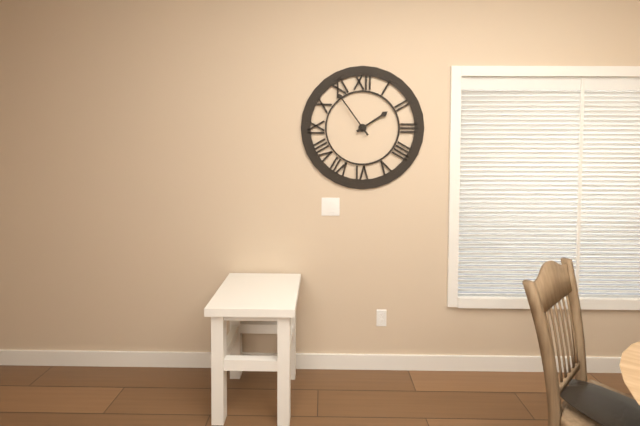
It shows 1.54
